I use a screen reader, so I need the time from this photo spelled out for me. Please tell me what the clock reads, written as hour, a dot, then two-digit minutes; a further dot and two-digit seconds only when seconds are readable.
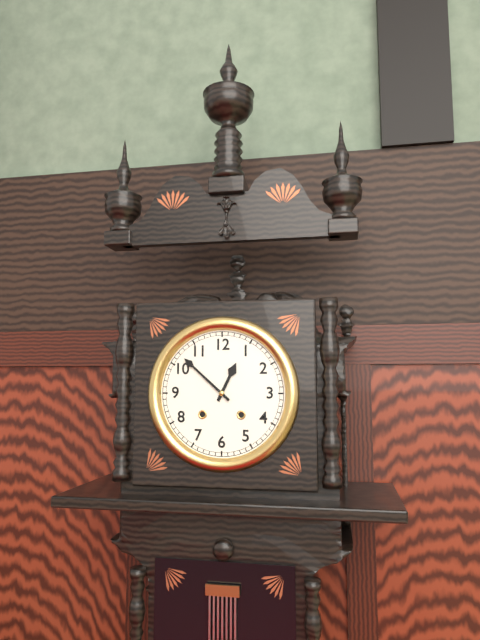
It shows 12.52
